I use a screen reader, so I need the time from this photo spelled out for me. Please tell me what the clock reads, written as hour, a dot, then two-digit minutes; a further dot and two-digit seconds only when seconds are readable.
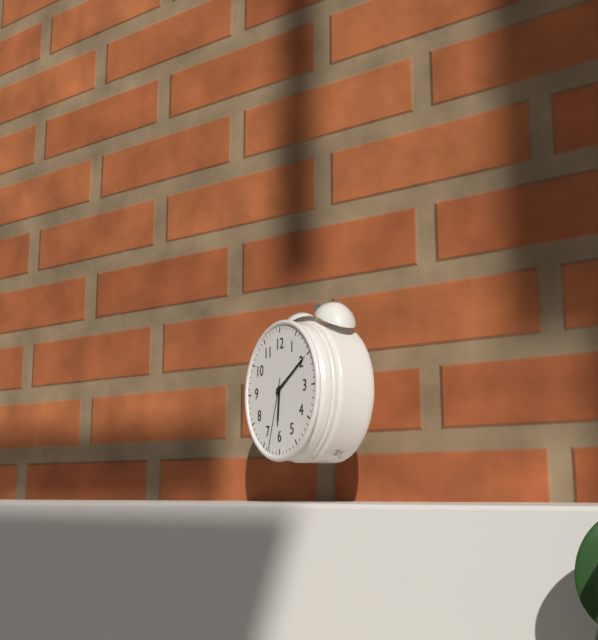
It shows 6.10.33
